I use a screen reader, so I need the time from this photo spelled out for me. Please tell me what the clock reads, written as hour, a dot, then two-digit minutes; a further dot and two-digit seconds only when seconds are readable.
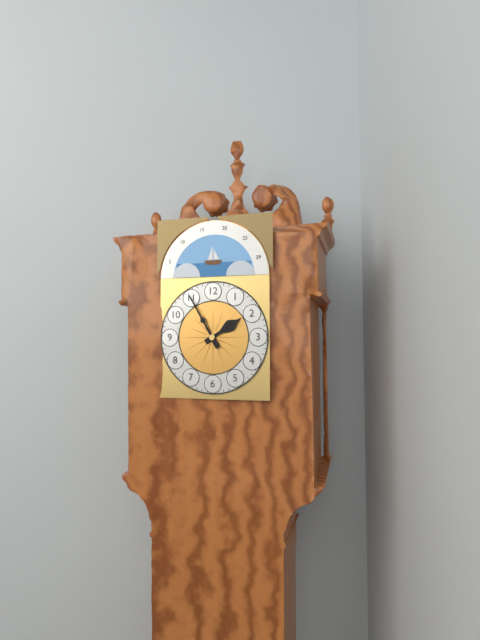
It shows 1.55
